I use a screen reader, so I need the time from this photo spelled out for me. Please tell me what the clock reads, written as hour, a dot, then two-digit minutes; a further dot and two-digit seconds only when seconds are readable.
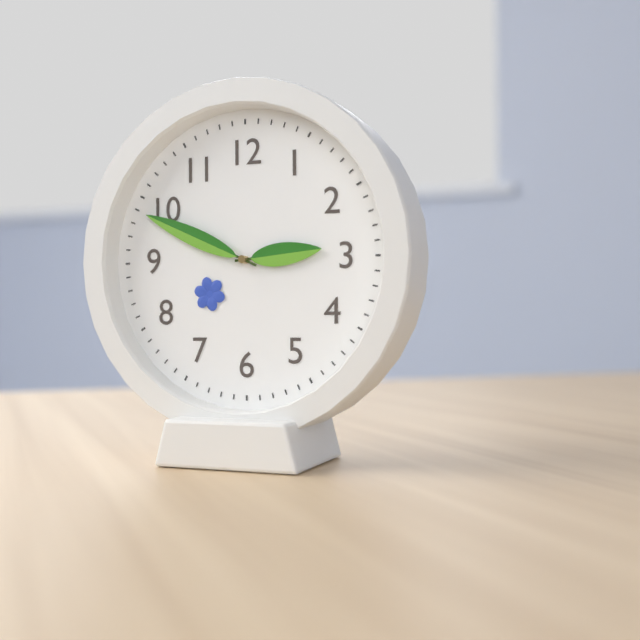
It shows 2.49
